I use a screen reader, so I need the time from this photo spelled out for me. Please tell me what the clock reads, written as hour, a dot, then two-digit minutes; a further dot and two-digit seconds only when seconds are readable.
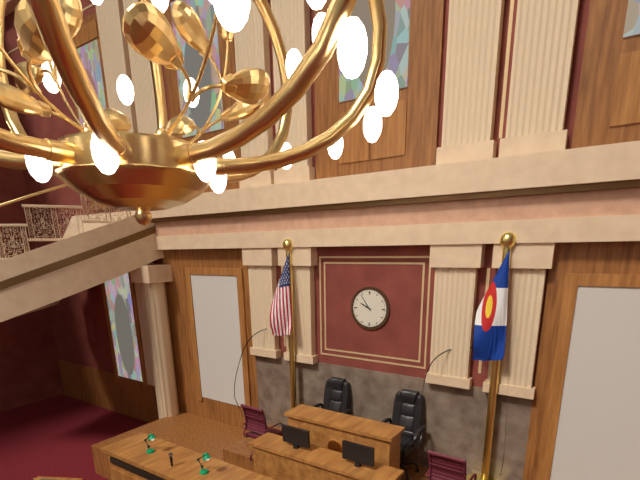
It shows 9.54
